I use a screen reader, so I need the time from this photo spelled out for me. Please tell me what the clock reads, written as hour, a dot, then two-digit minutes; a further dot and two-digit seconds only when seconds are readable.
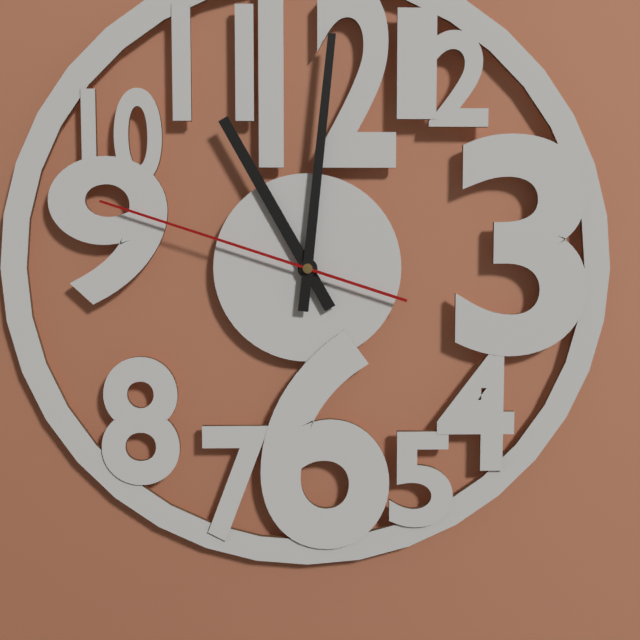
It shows 11.01.48
